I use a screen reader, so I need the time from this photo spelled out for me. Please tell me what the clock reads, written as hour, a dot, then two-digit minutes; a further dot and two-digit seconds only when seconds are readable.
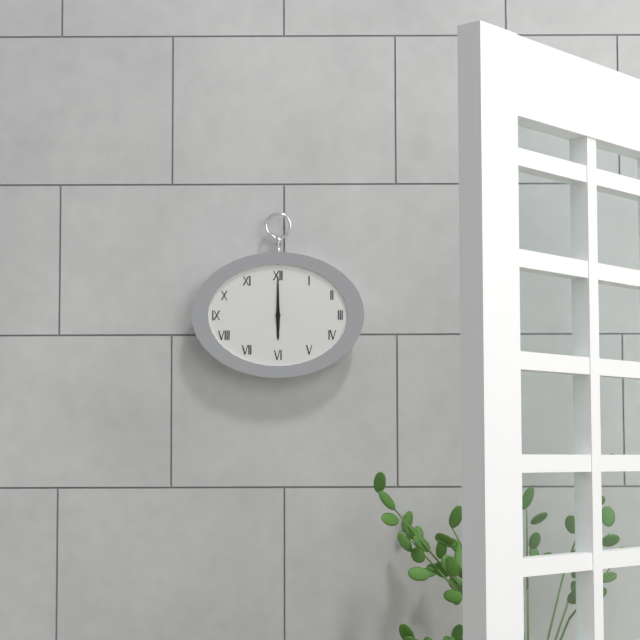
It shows 6.00
